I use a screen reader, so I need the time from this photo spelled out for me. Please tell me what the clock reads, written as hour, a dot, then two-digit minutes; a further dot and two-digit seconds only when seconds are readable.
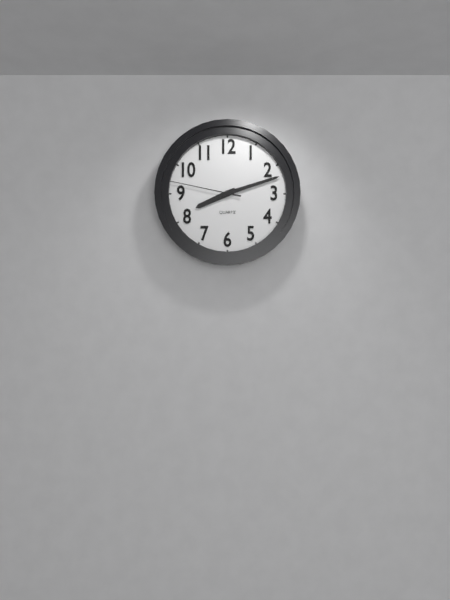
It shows 8.12.47
